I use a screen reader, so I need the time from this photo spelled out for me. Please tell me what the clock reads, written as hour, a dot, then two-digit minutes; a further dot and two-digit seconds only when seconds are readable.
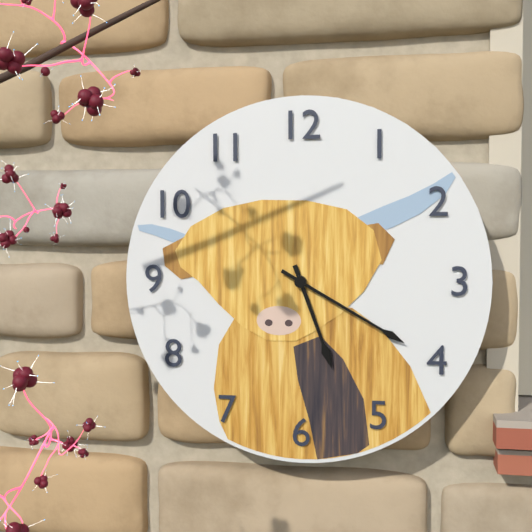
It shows 5.20
